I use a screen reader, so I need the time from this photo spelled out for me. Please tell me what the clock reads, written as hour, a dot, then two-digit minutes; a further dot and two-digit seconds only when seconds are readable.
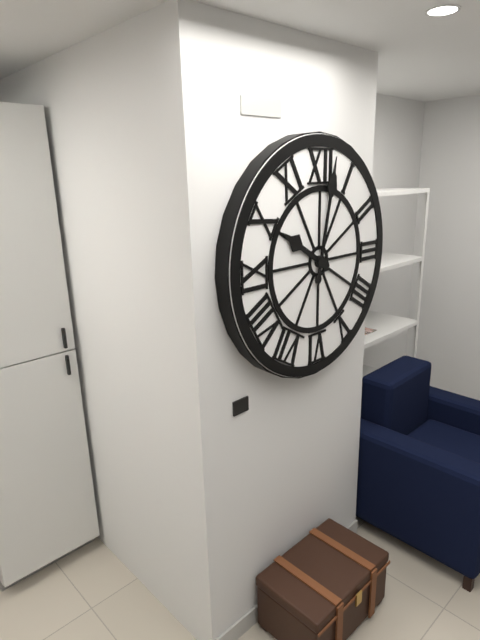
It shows 10.02
